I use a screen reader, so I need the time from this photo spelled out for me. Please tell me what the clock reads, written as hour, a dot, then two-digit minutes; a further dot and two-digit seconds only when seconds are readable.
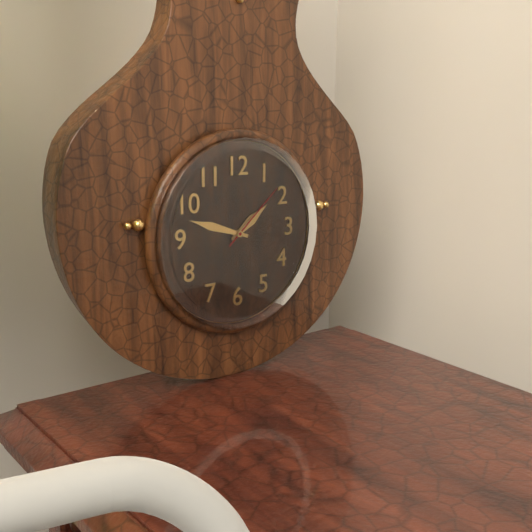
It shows 1.48.08
